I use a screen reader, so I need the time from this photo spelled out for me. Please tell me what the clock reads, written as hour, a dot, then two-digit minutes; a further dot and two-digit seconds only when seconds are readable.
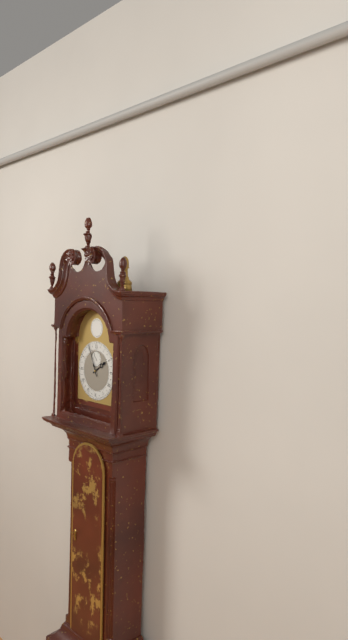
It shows 1.56
